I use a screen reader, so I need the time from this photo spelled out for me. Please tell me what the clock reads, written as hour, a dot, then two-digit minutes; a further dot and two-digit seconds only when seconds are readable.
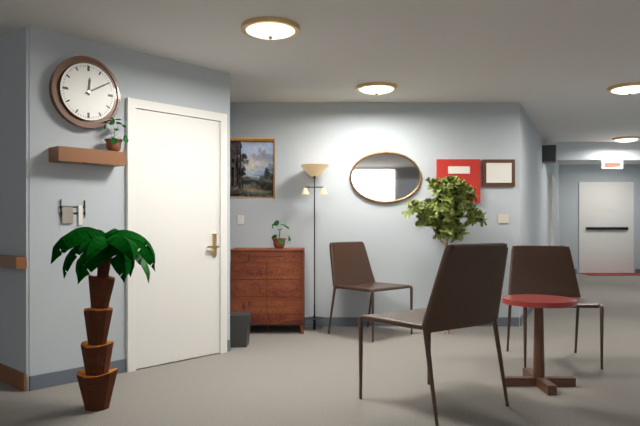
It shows 12.10
